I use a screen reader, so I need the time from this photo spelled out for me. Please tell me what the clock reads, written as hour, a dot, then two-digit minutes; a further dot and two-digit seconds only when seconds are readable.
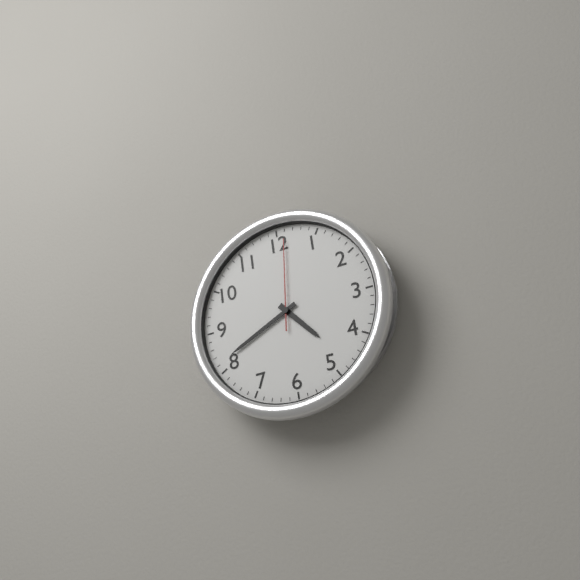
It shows 4.41.01
